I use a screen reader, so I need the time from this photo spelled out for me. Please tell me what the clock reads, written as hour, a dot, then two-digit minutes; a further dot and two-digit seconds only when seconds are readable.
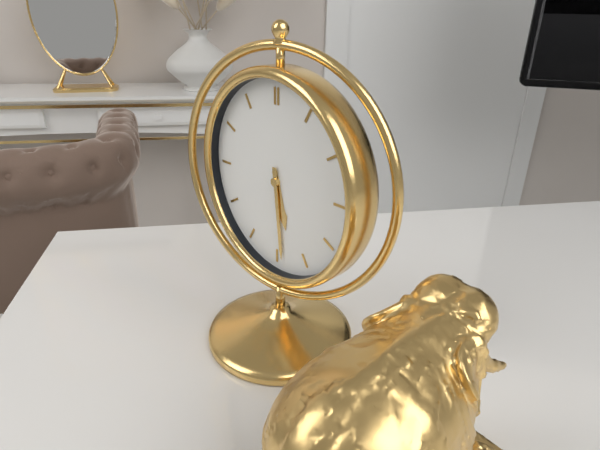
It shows 5.29
